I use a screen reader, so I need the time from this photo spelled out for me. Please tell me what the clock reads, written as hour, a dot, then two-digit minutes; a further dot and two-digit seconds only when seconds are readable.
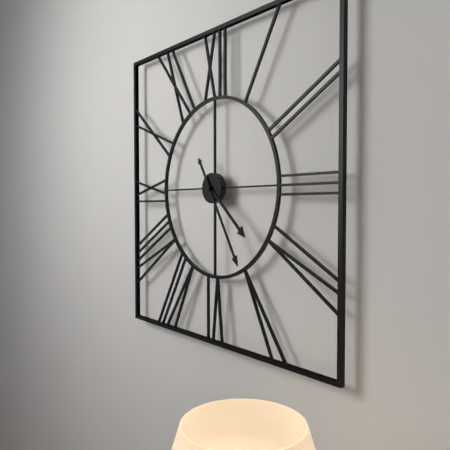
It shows 4.25
